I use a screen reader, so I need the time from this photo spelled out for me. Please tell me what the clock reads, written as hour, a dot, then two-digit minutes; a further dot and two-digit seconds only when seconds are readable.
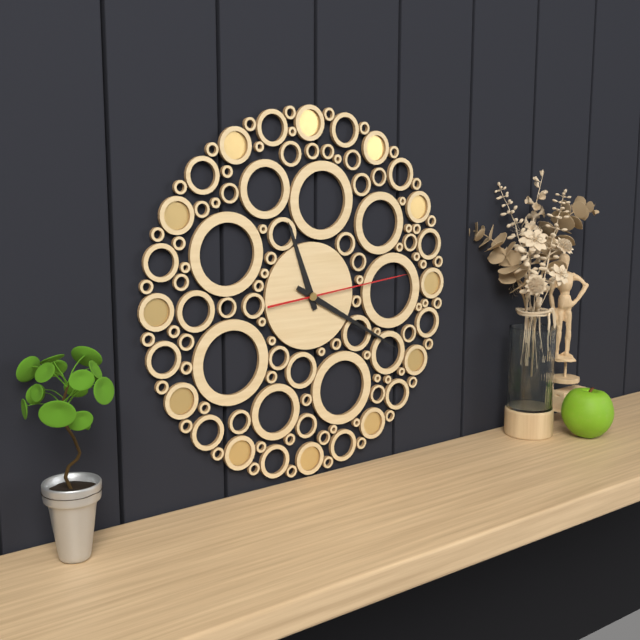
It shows 11.20.14
